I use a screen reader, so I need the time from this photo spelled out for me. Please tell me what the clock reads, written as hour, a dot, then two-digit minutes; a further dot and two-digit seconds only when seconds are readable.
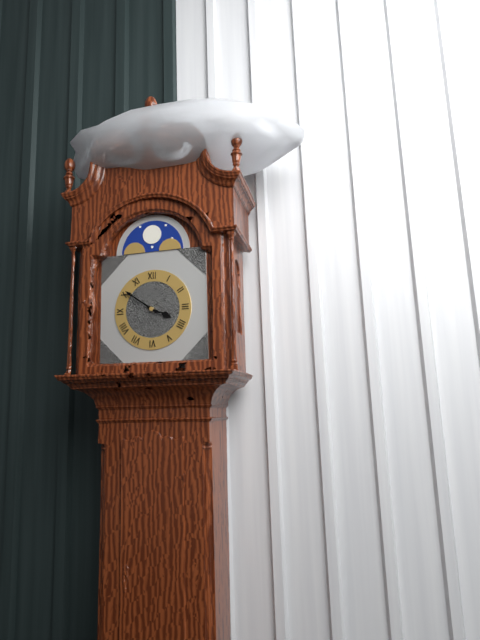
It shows 3.51
